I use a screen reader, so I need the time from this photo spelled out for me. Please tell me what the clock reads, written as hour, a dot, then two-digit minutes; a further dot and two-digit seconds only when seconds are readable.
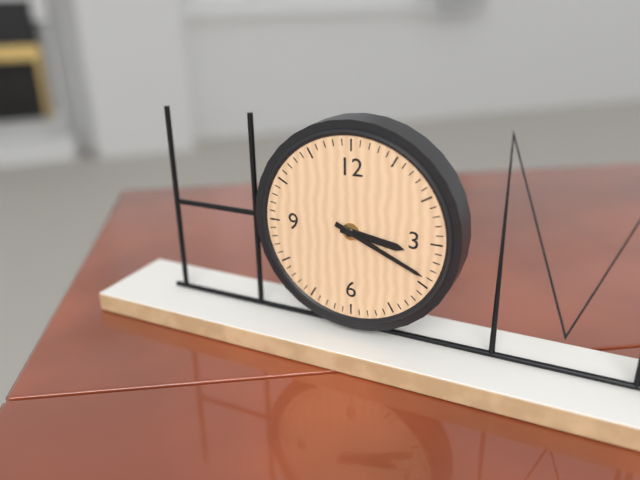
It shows 3.19
